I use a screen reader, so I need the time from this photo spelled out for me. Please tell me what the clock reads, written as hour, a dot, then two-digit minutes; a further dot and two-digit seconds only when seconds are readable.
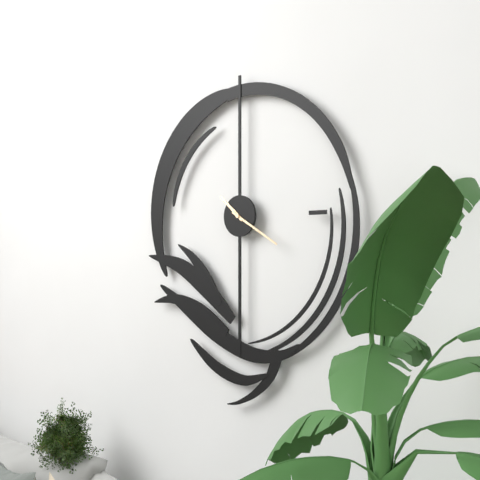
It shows 10.20
